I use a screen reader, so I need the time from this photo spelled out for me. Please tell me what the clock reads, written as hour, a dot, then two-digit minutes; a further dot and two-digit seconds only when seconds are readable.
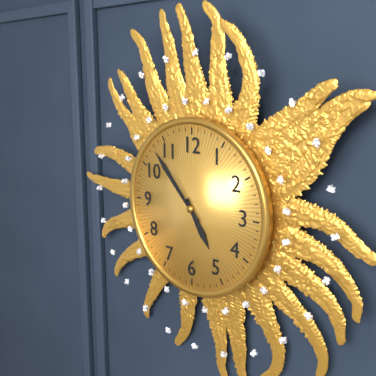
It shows 4.53
